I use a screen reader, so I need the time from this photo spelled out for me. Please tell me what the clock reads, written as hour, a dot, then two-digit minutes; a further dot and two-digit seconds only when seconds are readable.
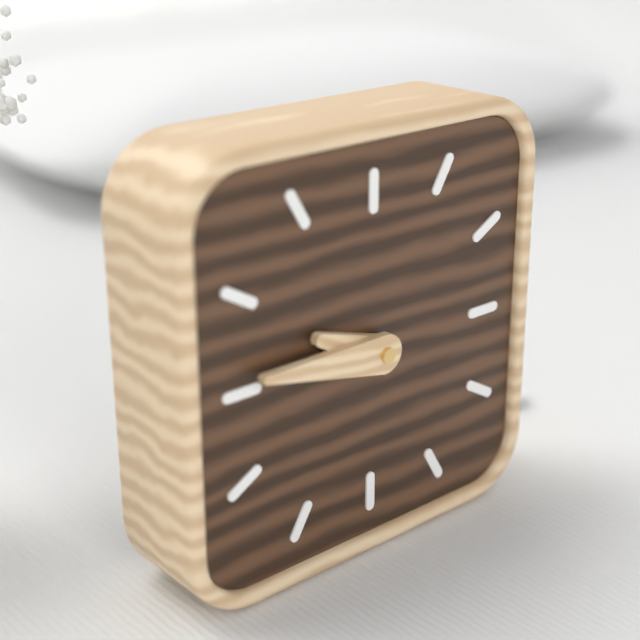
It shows 9.46
